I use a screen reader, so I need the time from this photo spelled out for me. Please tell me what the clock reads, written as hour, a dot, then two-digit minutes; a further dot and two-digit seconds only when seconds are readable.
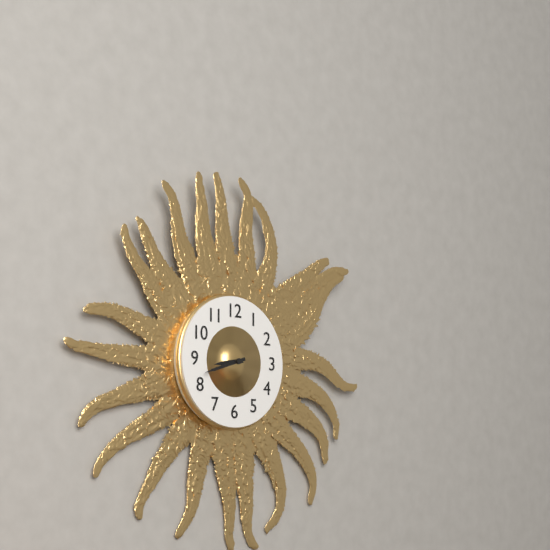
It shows 8.42
